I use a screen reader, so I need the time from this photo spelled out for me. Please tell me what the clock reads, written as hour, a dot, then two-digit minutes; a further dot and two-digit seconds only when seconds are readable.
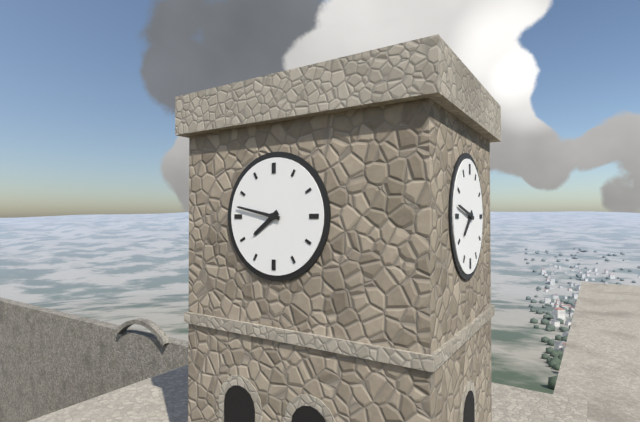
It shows 7.47
